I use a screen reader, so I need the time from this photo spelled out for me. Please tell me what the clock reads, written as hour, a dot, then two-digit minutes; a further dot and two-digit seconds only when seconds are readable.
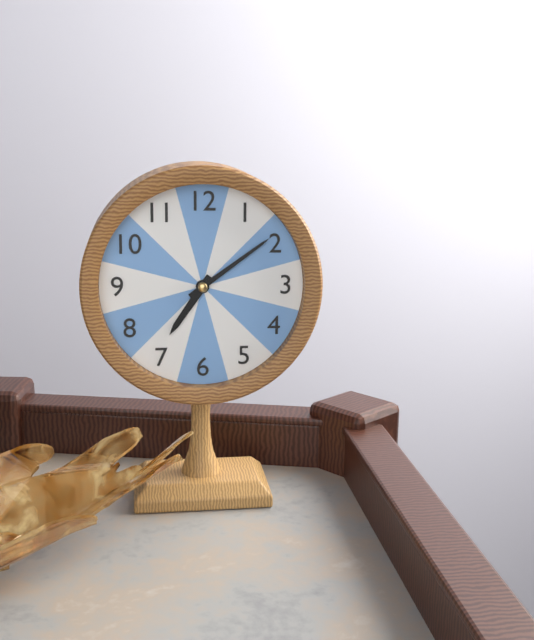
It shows 7.09
